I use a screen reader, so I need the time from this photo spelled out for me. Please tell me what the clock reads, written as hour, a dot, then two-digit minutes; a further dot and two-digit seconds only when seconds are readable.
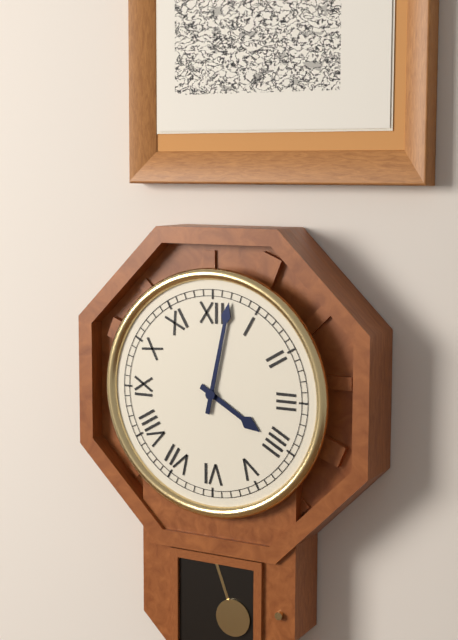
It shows 4.02
